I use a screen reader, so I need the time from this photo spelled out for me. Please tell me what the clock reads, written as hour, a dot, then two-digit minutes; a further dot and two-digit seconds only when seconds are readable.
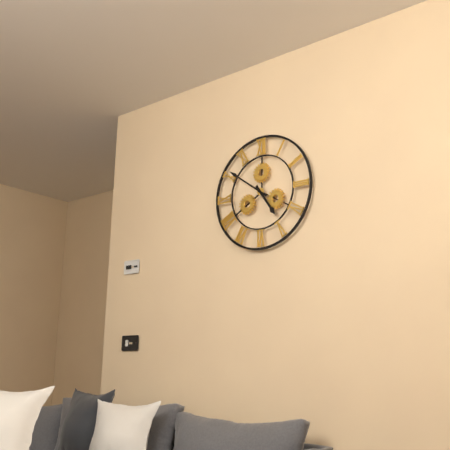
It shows 4.51
